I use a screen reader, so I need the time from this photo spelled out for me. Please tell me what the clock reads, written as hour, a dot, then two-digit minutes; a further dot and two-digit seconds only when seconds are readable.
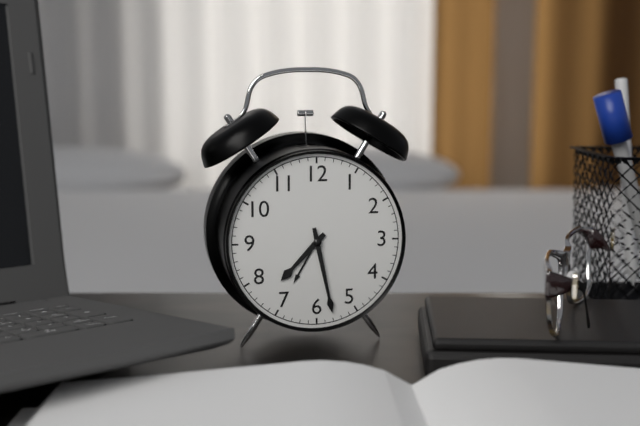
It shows 7.28
